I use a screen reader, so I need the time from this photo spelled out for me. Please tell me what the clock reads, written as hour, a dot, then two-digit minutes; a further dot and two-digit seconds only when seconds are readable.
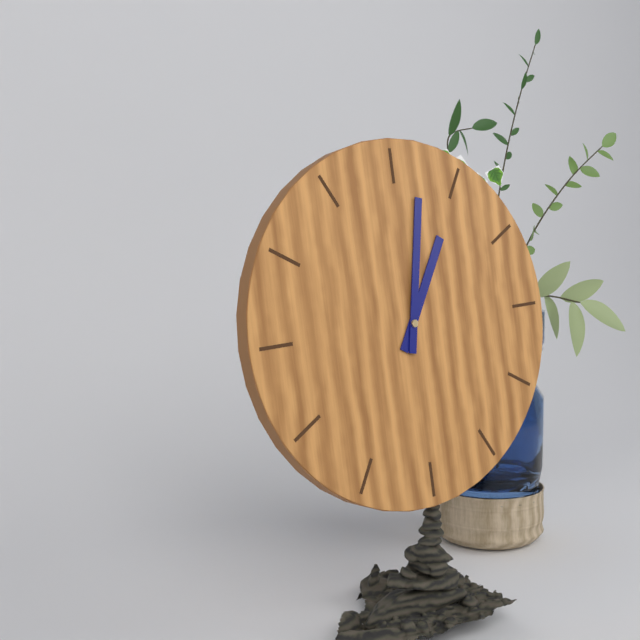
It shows 1.02
